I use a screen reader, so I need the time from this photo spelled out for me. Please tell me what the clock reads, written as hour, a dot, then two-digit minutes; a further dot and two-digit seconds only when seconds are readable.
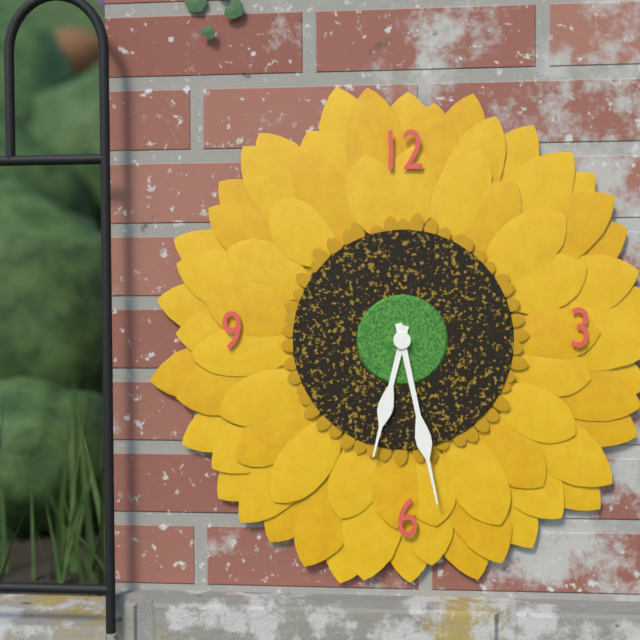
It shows 6.28
